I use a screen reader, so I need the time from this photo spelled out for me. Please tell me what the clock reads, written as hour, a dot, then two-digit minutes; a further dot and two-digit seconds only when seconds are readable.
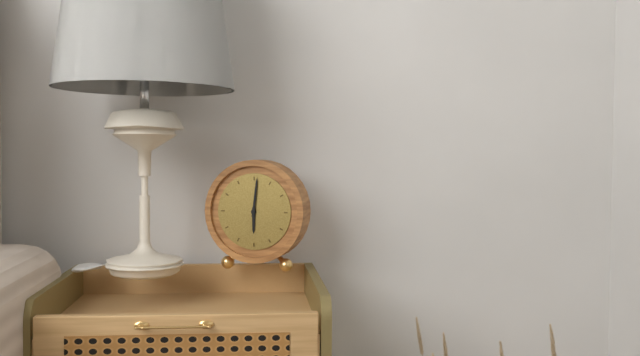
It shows 6.01
